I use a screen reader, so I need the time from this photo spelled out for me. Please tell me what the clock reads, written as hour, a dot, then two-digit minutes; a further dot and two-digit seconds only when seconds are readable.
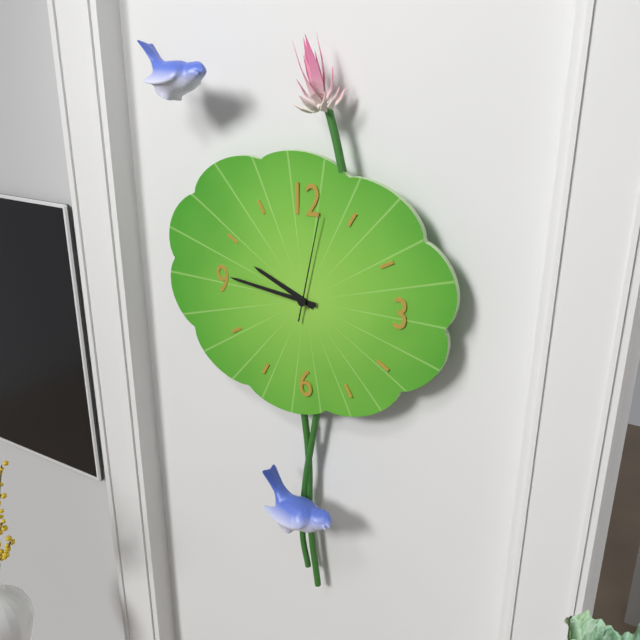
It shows 9.46.02
